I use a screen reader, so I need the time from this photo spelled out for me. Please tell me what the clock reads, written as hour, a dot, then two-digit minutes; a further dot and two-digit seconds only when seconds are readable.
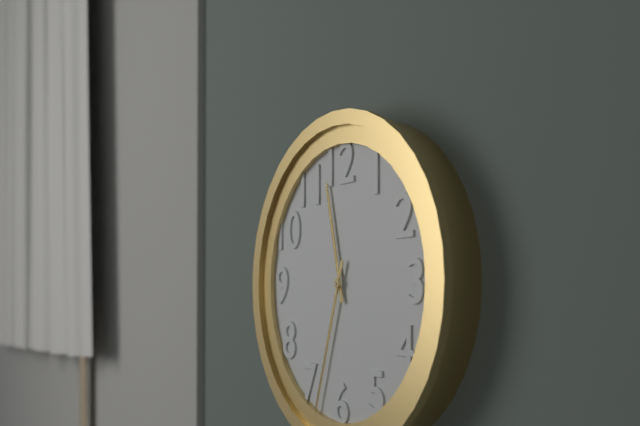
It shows 11.33
